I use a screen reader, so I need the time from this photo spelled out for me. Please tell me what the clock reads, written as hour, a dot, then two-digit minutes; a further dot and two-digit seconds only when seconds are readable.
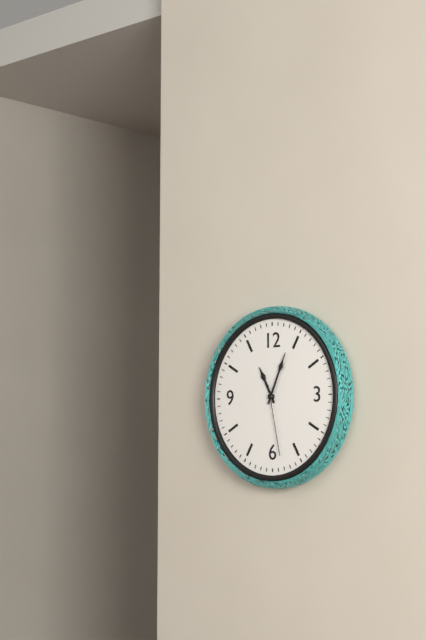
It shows 11.04.28
